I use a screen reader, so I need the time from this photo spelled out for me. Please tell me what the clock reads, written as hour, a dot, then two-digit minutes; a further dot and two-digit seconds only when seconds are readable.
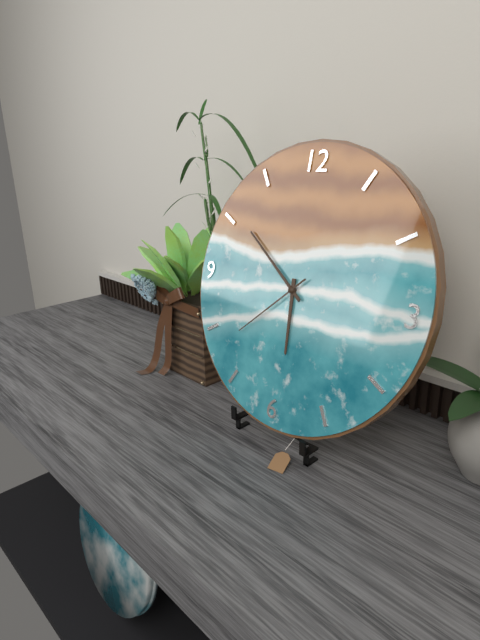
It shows 5.51.38
